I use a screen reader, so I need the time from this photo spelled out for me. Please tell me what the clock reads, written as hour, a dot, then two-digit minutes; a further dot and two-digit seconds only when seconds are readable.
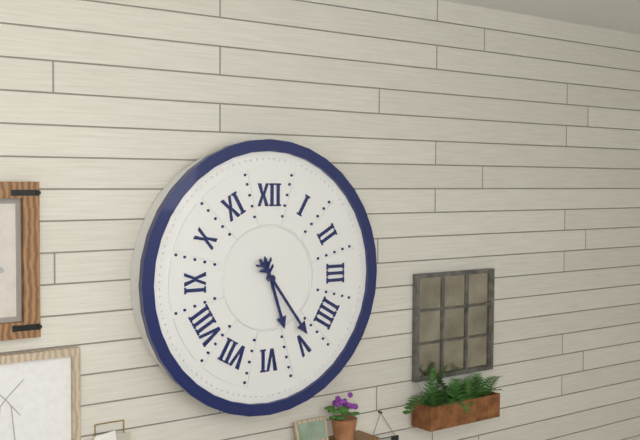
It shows 5.24
